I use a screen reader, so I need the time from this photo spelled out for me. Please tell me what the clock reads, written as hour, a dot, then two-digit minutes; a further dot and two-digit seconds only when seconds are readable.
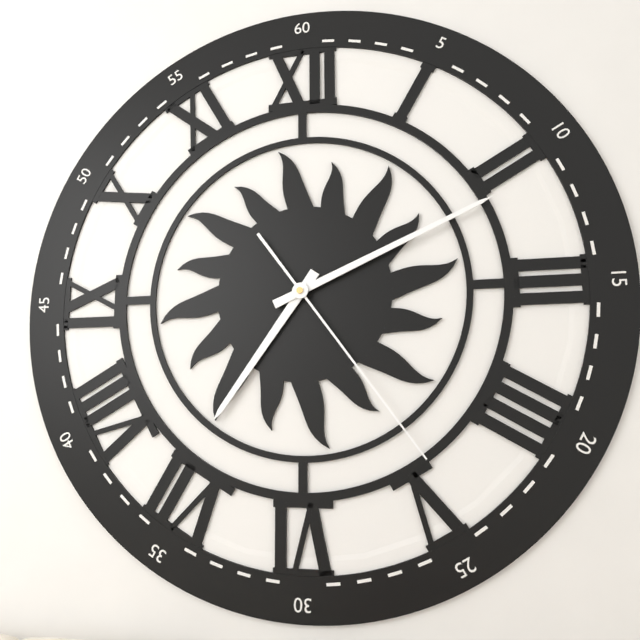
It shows 7.11.24
